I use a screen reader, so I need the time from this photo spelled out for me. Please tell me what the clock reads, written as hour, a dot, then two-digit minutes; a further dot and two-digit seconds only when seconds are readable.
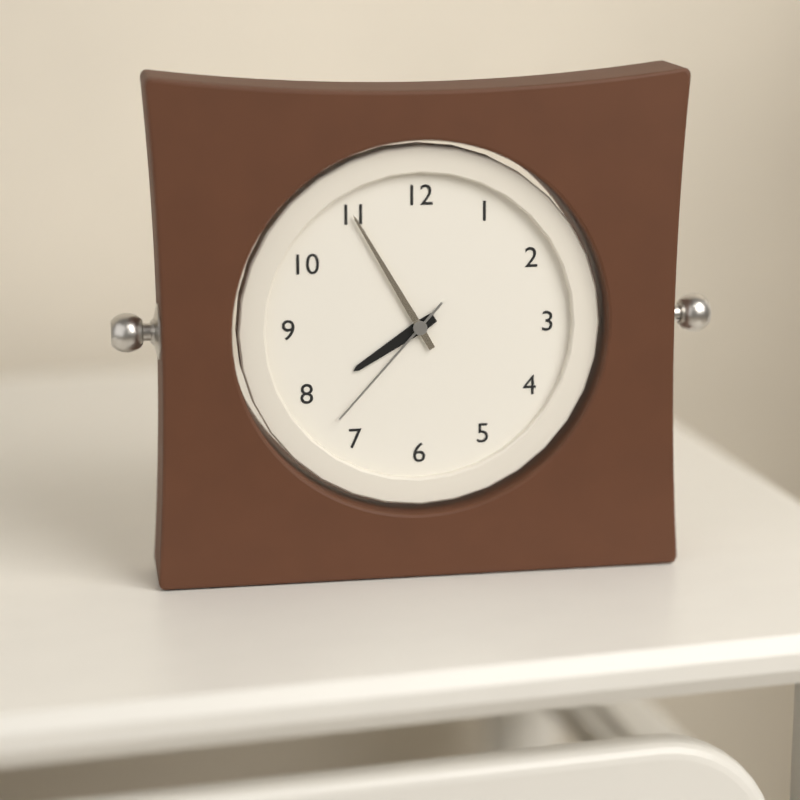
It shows 7.55.37
